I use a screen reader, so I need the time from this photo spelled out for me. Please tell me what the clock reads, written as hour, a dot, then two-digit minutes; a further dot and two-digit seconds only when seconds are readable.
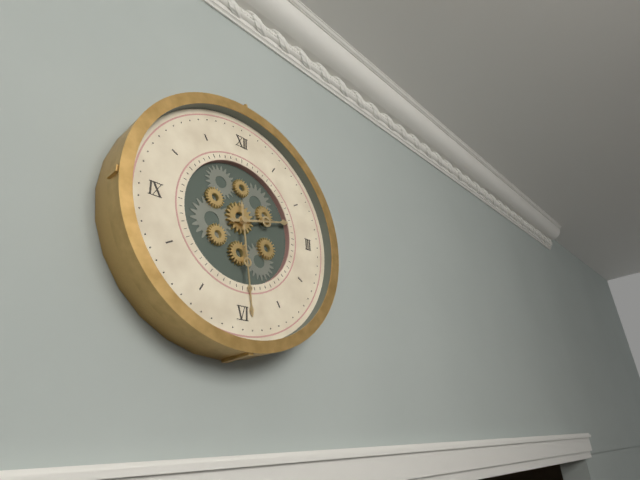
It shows 2.29
